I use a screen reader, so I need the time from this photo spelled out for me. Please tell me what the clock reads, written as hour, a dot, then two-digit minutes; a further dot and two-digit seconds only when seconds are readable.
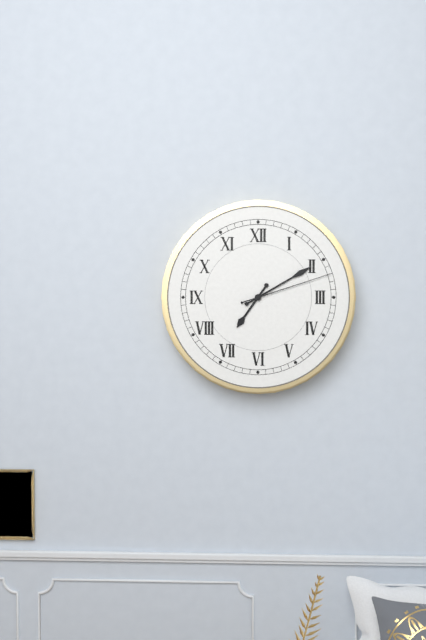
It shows 7.10.12
